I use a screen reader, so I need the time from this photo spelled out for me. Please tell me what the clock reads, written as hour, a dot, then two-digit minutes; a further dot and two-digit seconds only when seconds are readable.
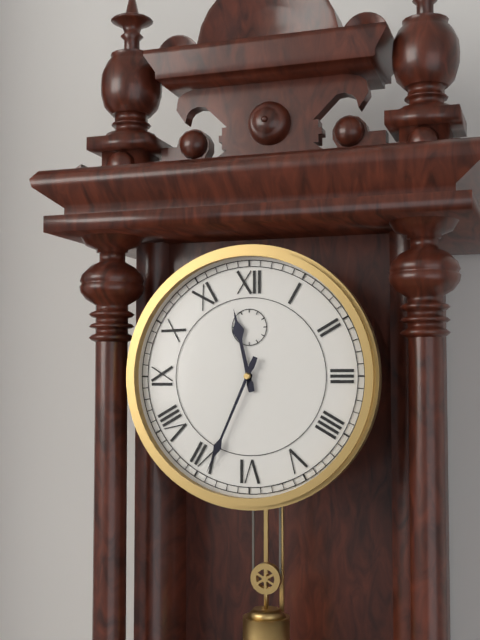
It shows 11.34
